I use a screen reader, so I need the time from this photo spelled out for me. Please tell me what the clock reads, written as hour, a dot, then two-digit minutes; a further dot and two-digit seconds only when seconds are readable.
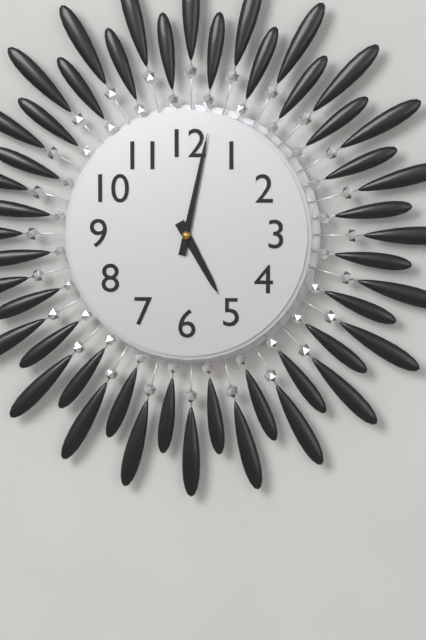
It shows 5.02
